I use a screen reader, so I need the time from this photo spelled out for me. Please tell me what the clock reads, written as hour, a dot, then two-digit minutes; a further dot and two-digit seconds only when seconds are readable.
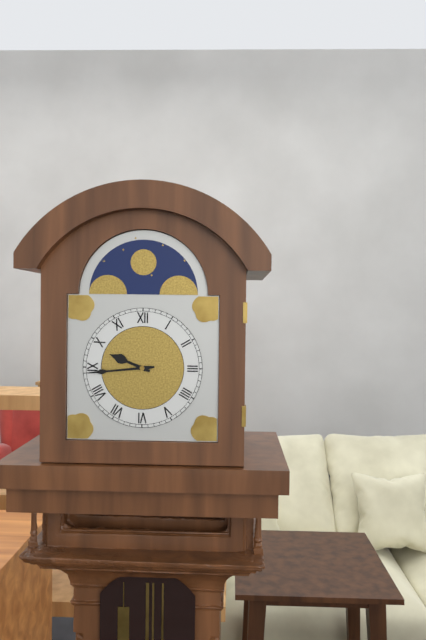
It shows 9.44
